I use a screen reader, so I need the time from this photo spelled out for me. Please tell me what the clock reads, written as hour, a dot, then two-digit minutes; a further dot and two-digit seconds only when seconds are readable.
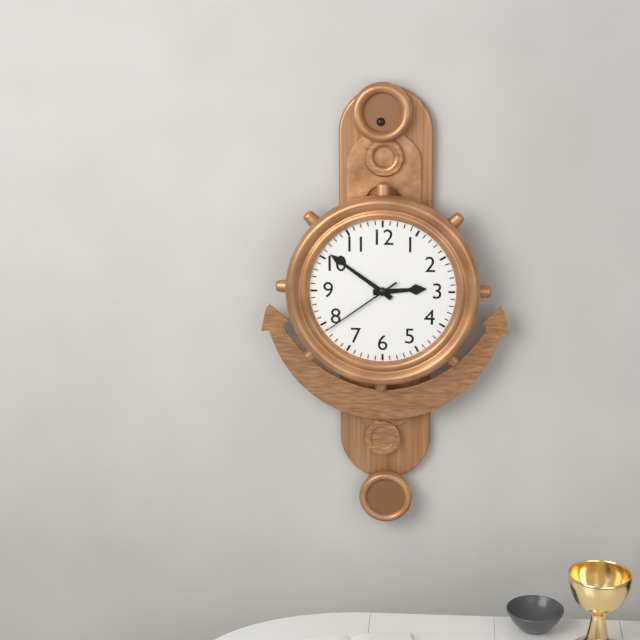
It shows 2.51.39
